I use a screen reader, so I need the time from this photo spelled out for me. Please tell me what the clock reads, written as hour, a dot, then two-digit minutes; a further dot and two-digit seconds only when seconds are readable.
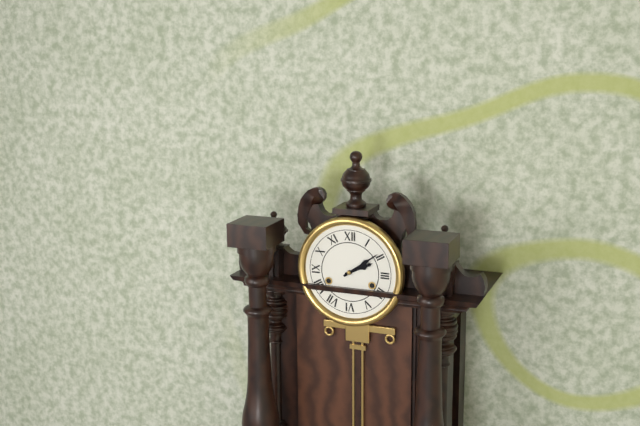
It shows 2.09
